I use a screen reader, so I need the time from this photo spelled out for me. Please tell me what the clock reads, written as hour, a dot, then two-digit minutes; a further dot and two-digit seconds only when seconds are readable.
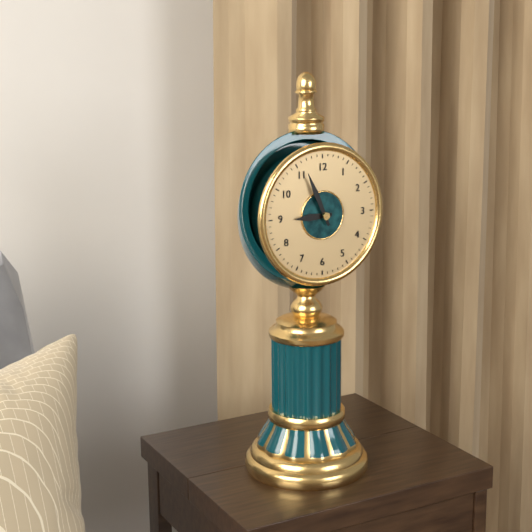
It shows 8.56
